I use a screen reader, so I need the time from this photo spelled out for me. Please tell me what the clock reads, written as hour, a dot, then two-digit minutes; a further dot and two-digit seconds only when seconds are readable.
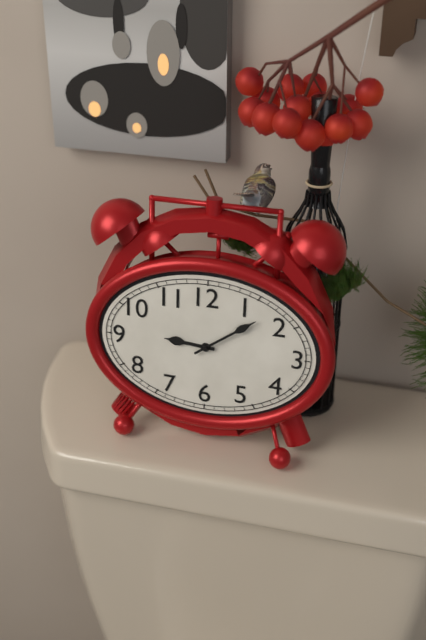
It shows 9.09
